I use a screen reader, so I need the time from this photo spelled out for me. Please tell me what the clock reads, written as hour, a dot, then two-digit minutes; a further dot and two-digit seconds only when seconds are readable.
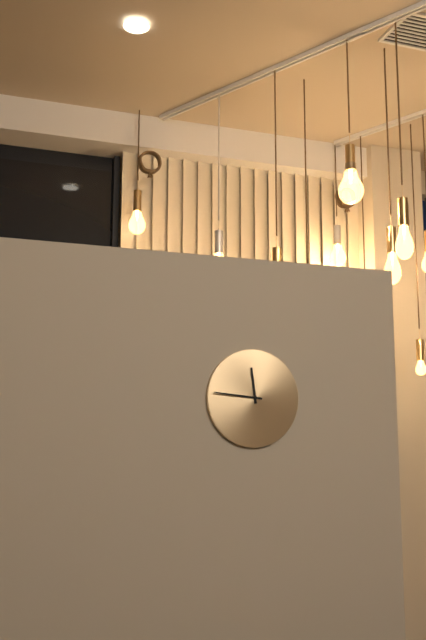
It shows 11.46
